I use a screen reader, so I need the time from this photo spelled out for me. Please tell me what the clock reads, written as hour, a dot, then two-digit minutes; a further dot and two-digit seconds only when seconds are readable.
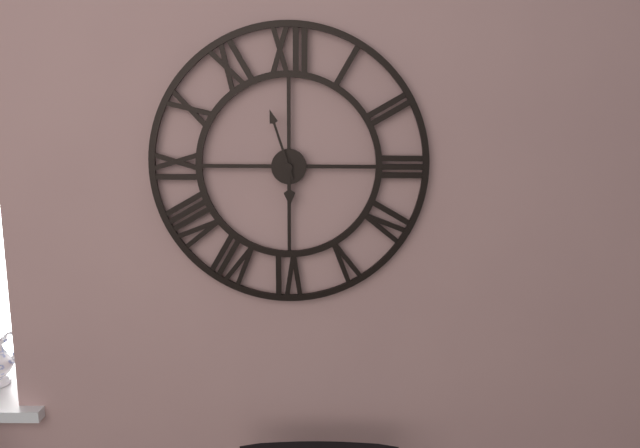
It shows 5.57
